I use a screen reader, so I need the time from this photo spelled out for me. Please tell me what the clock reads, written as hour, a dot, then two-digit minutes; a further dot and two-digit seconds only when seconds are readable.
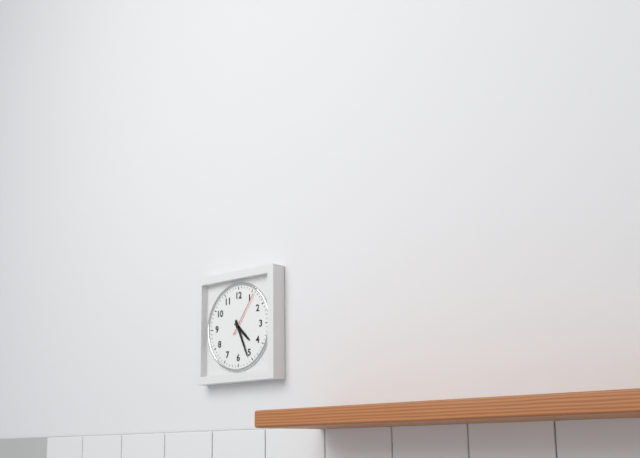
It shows 4.26
